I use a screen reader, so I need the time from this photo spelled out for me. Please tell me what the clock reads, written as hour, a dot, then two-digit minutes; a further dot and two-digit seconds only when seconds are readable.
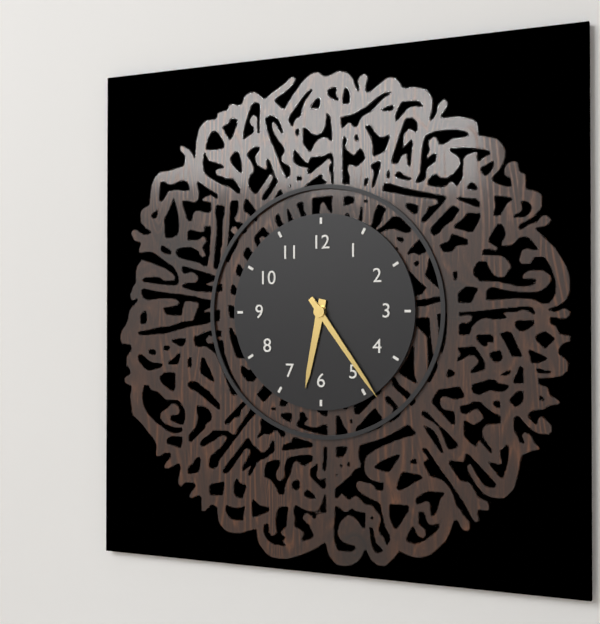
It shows 6.24
